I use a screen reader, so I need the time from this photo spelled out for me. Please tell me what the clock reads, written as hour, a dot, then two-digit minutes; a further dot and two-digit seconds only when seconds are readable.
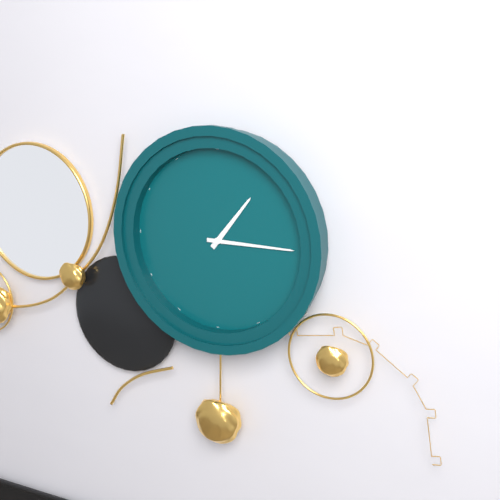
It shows 1.15
